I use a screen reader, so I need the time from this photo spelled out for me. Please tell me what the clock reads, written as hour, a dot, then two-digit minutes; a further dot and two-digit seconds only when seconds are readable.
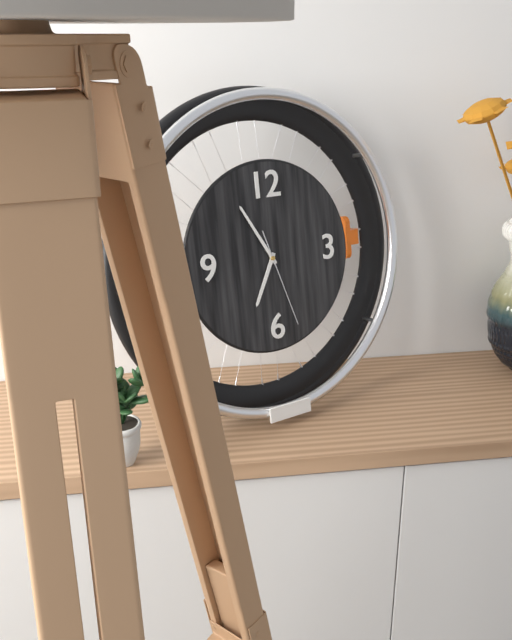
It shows 6.55.27
